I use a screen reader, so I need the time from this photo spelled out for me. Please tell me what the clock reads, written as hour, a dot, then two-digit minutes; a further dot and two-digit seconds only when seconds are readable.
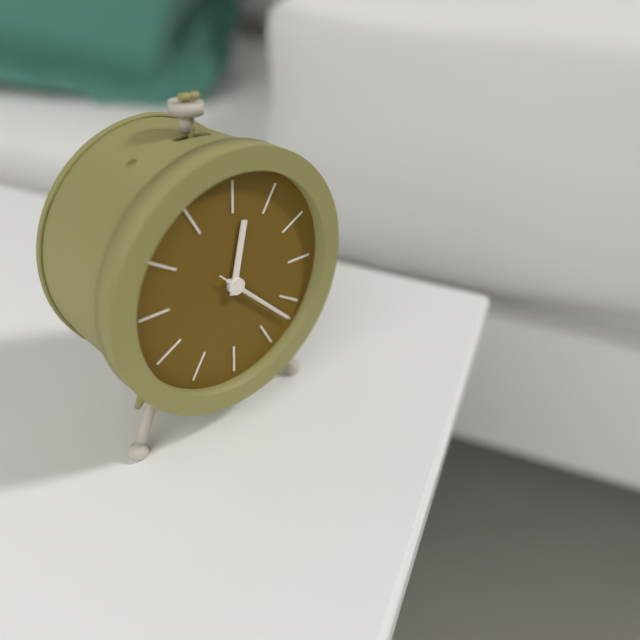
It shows 12.22.22
